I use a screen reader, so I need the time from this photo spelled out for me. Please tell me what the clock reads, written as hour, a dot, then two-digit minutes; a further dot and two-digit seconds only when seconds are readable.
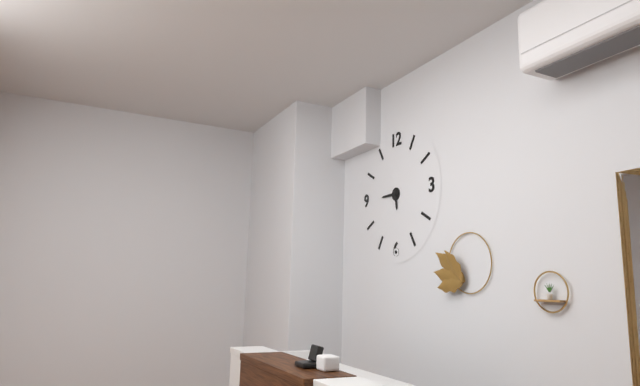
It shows 5.45
